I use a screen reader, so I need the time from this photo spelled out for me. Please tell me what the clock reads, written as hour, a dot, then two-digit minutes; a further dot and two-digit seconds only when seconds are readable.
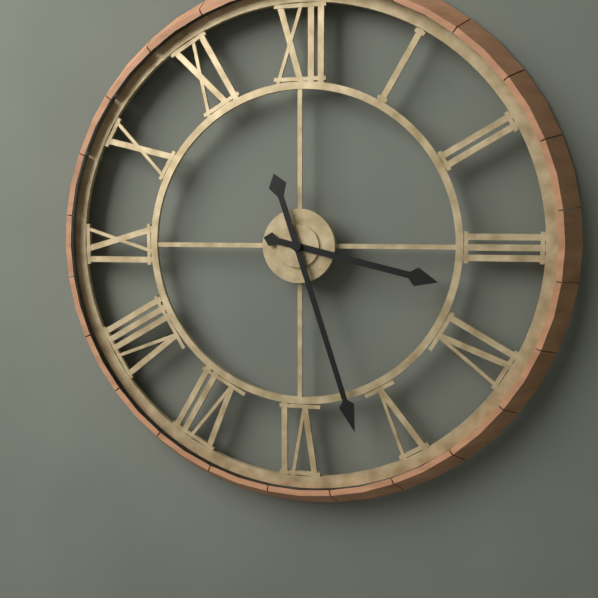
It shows 3.27
